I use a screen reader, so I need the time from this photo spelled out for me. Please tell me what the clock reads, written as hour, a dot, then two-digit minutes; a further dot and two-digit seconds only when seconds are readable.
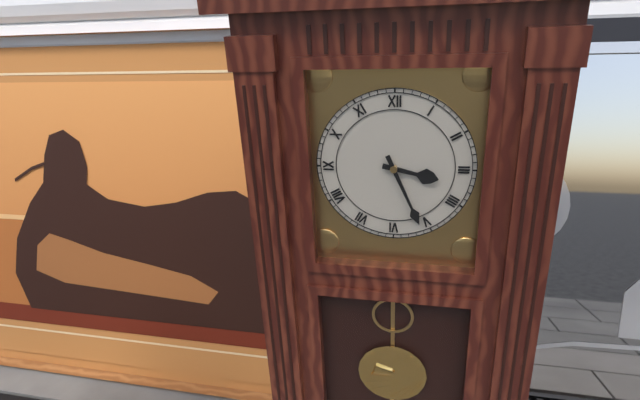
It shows 3.26
